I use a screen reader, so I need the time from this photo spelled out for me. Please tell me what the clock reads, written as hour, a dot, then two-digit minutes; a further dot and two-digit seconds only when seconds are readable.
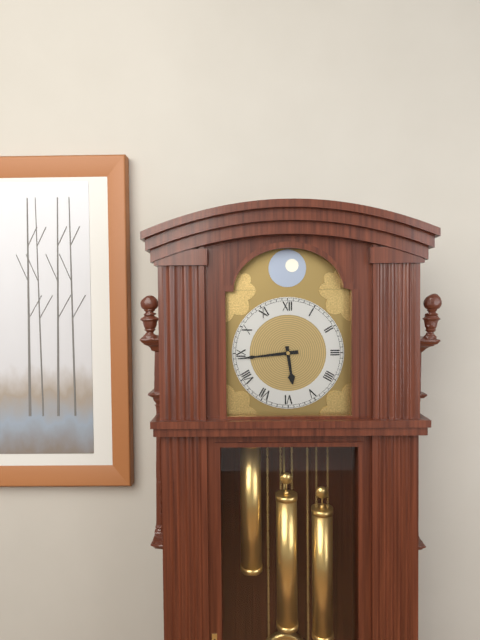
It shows 5.44
